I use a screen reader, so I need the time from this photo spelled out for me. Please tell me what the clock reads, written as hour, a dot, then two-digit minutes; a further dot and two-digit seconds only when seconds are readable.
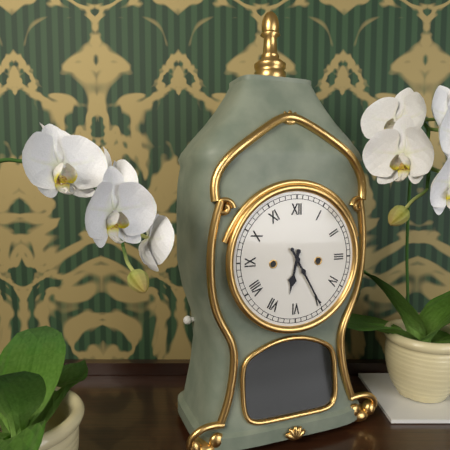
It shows 6.25
